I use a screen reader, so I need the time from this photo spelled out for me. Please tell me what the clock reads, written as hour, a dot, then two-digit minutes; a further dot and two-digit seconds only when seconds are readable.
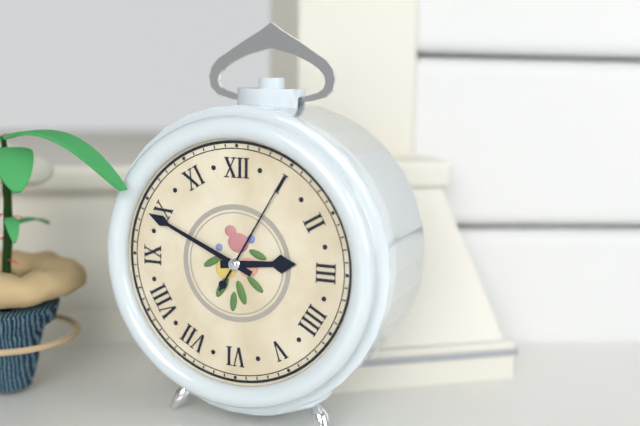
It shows 2.49.05
